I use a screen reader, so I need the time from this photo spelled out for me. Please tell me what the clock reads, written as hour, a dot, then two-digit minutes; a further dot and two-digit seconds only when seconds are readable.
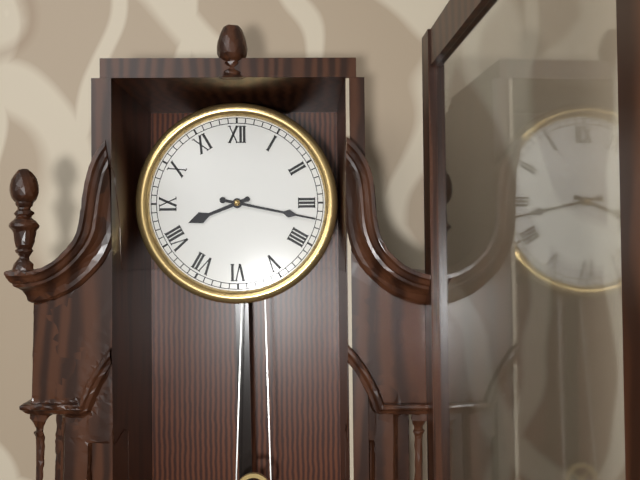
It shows 8.17
